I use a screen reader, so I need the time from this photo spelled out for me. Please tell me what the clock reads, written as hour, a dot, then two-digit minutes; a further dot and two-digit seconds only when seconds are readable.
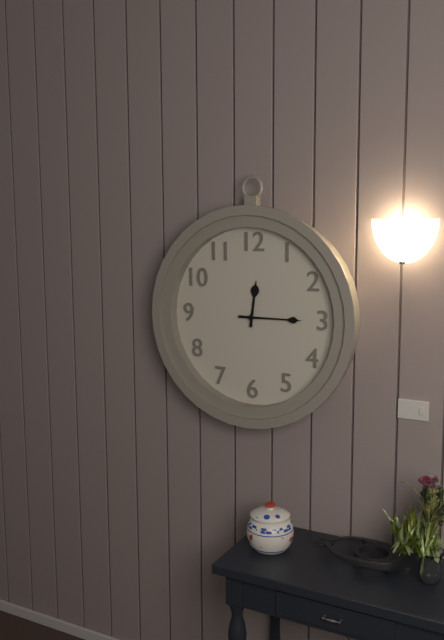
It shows 12.15
